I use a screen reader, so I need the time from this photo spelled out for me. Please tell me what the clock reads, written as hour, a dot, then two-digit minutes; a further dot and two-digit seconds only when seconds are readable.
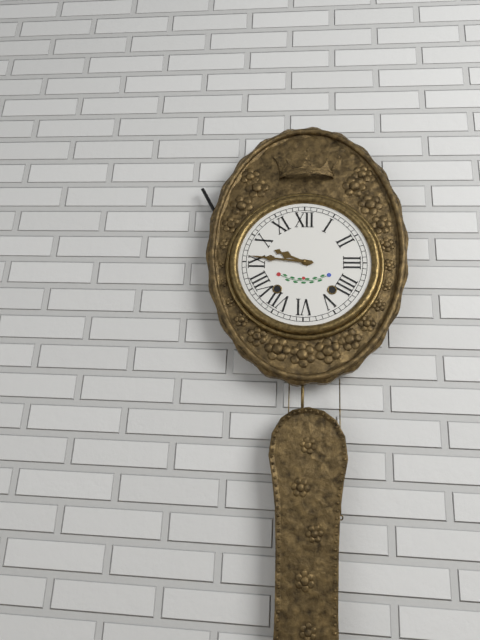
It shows 9.46
